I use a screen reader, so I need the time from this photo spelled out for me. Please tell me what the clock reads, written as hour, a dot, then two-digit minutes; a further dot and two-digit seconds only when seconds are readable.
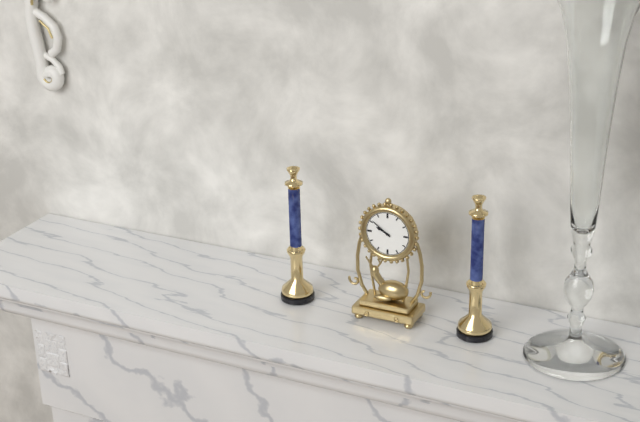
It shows 9.51
